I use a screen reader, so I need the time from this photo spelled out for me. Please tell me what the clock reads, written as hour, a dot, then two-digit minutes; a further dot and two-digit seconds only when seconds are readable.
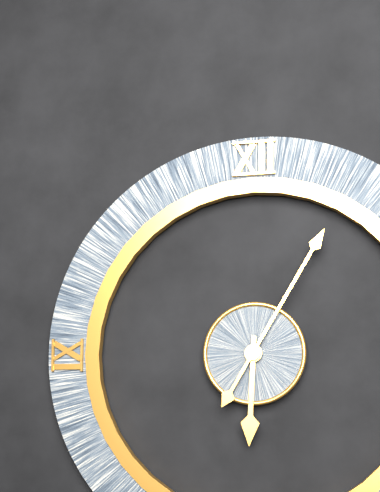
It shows 6.05
